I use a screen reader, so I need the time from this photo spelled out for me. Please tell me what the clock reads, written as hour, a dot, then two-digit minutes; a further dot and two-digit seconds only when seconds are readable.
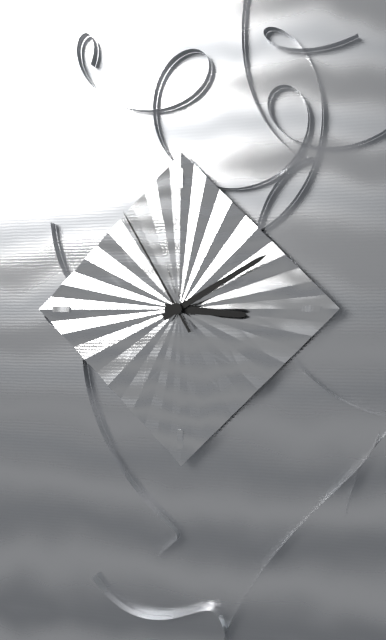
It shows 3.10.55
